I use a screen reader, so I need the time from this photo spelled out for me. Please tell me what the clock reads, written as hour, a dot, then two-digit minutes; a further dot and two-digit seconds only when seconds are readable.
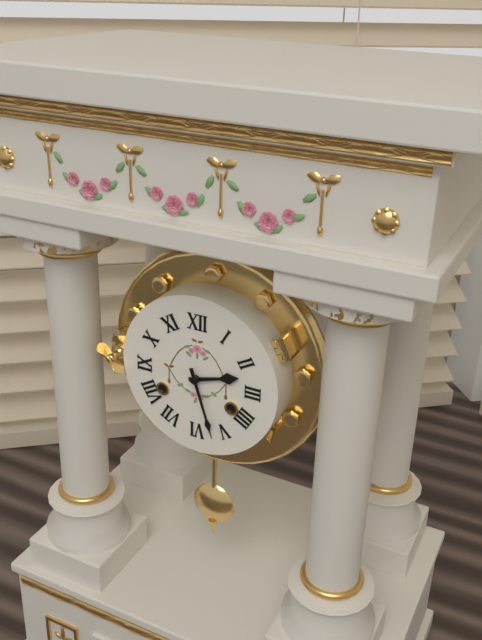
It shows 2.27
